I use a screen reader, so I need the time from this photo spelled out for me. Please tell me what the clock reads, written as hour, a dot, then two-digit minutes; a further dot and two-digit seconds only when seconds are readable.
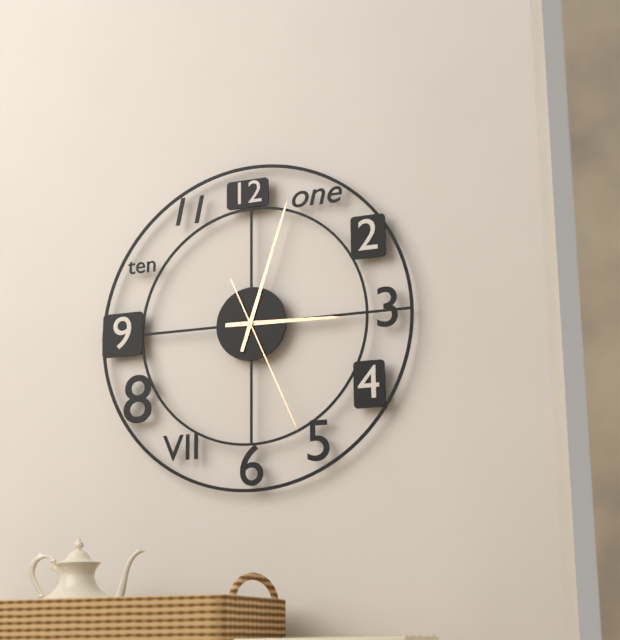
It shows 3.03.26
